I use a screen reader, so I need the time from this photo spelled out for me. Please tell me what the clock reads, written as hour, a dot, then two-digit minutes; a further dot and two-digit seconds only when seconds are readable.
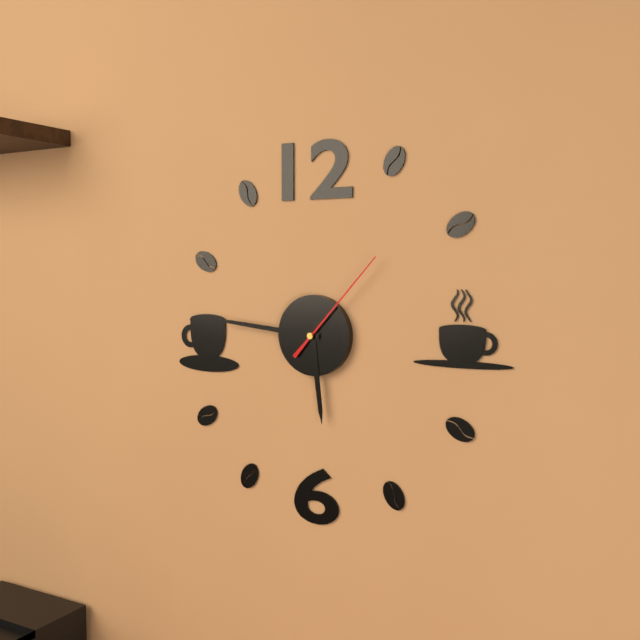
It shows 5.46.07
